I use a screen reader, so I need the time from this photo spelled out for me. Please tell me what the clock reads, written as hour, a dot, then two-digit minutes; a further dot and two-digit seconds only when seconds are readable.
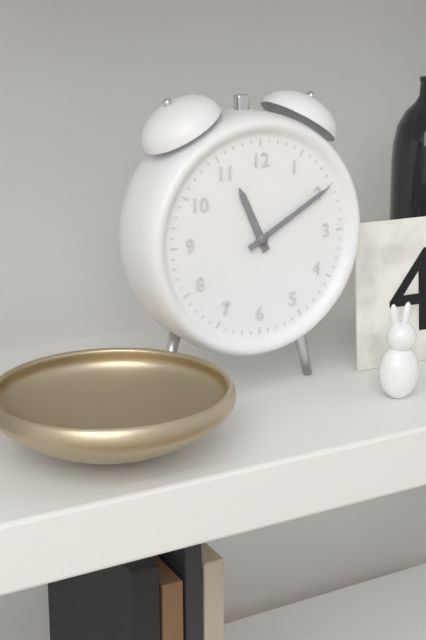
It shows 11.10
